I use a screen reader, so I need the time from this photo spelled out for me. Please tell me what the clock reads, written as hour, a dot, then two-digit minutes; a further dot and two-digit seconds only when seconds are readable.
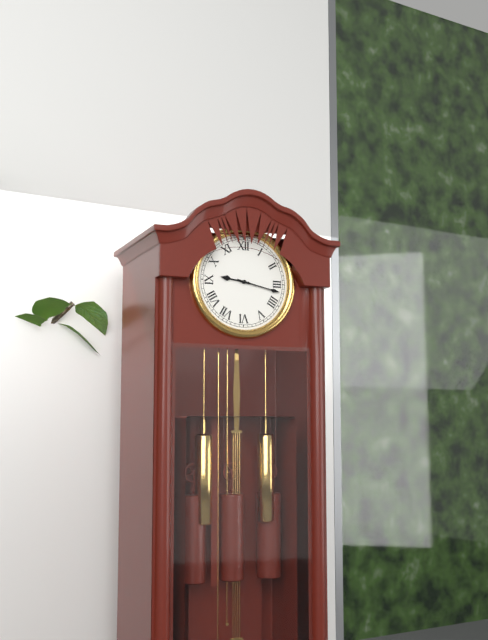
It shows 9.17
